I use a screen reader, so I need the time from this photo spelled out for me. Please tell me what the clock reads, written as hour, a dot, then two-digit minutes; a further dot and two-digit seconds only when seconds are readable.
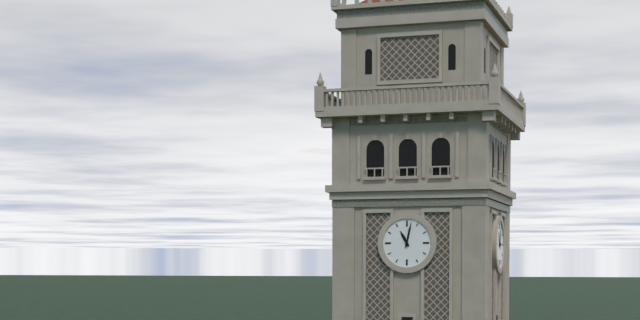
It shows 11.02
